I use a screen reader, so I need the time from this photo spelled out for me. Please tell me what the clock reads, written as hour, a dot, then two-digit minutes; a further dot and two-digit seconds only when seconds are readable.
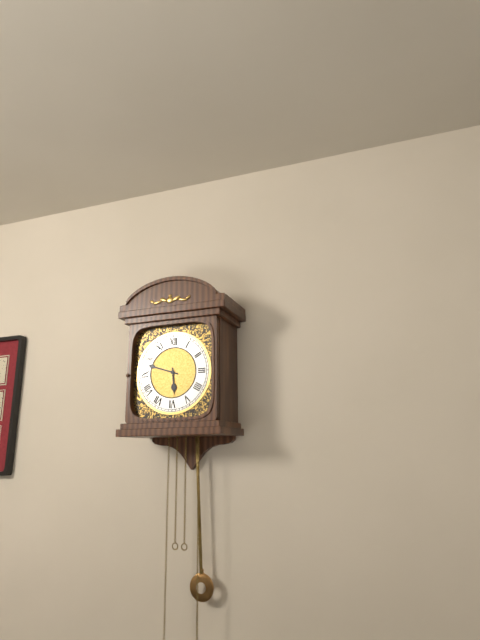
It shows 5.48
